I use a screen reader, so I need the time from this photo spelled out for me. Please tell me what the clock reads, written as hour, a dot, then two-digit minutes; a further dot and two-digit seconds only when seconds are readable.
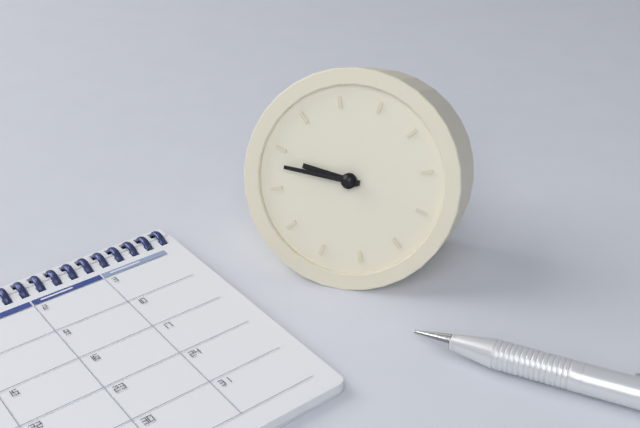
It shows 9.48
